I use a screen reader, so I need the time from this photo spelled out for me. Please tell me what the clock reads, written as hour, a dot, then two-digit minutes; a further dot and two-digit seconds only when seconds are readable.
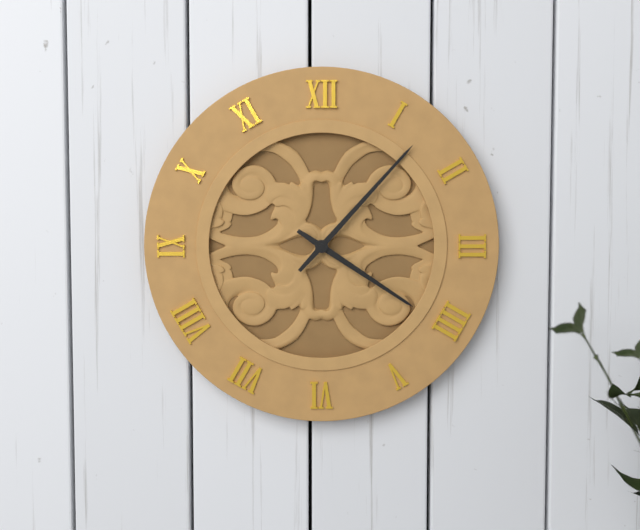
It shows 4.07
